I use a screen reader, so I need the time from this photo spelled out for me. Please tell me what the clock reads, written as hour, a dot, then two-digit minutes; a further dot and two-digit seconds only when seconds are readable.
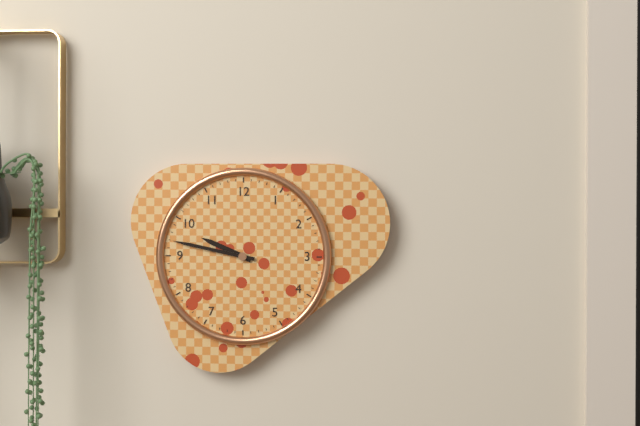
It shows 9.47
